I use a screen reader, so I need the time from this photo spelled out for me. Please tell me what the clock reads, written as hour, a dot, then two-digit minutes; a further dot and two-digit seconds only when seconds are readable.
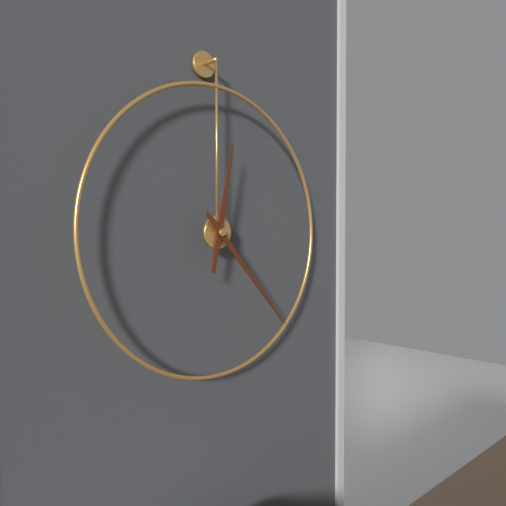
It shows 12.23
